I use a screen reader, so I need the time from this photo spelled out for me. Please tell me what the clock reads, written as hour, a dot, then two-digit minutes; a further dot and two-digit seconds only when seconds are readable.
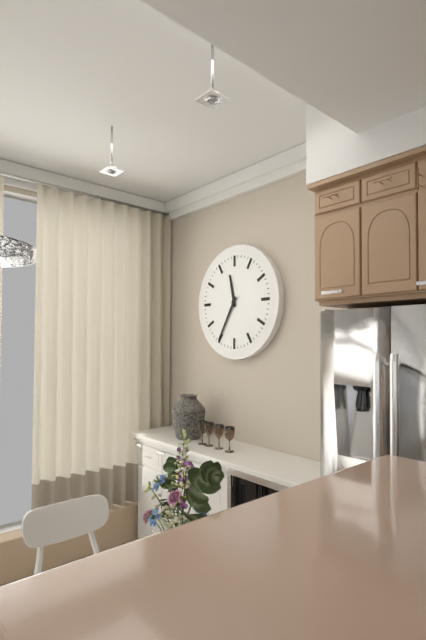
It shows 11.35
